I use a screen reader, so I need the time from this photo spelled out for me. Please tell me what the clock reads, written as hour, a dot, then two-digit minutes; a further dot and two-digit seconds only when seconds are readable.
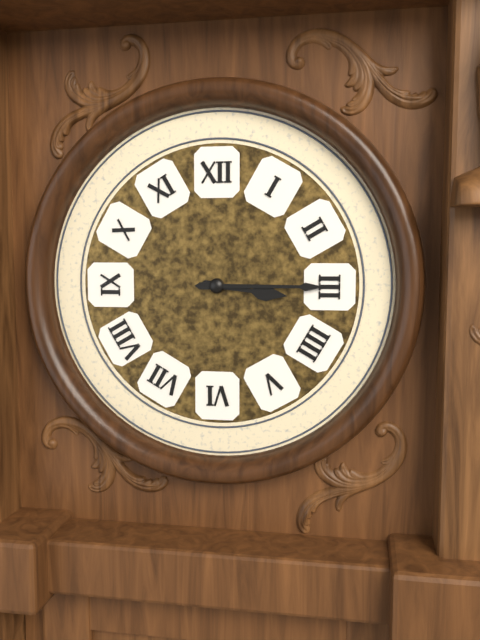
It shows 3.15
